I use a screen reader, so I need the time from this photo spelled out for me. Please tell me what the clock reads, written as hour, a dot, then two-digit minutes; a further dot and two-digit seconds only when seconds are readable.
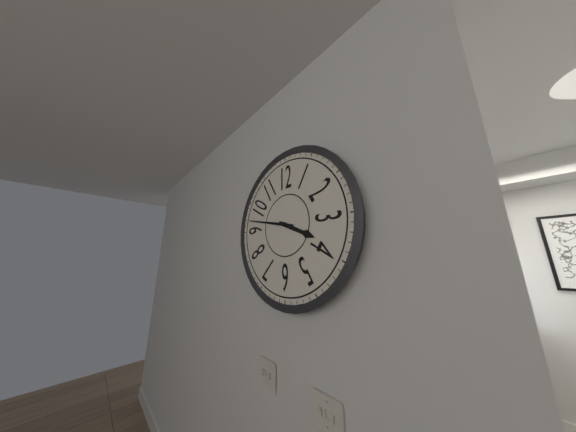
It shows 3.47
